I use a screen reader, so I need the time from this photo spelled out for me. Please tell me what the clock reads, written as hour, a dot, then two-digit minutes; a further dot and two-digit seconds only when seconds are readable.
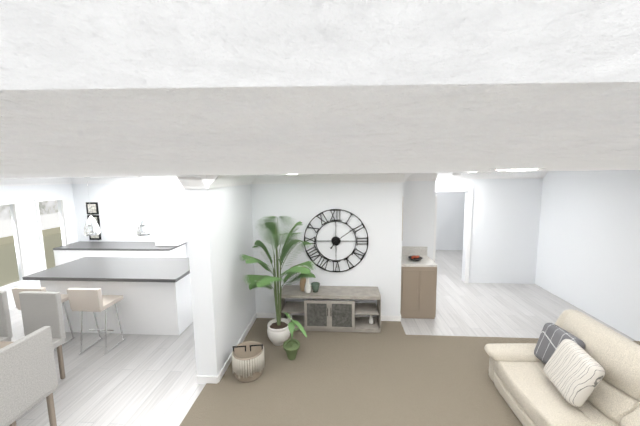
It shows 7.09
